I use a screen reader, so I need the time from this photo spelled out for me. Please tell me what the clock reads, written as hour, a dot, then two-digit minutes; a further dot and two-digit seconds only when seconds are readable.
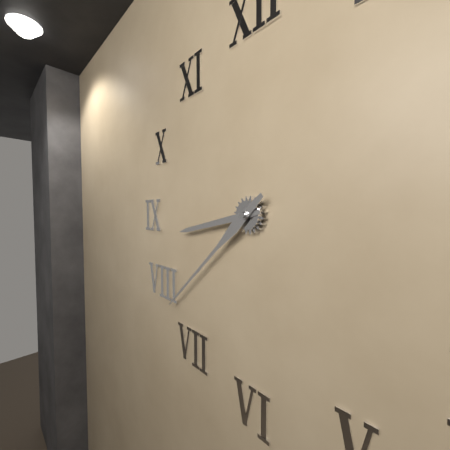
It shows 8.38
